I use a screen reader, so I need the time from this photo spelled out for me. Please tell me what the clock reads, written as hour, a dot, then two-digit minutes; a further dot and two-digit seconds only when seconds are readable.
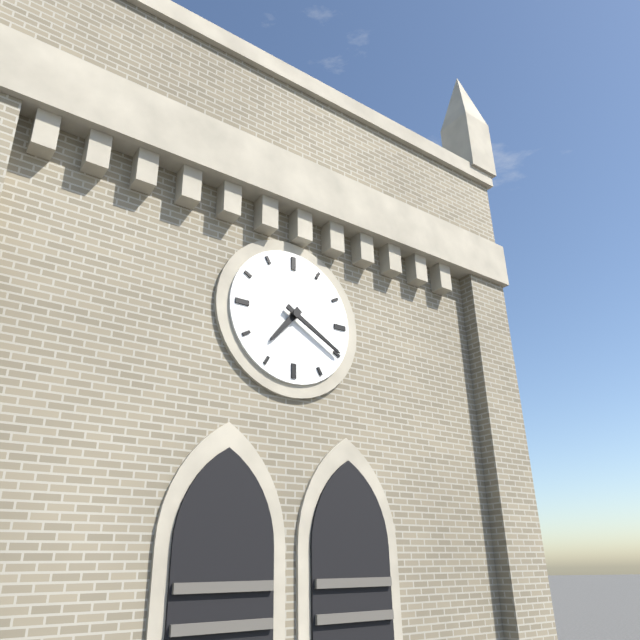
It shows 7.20
